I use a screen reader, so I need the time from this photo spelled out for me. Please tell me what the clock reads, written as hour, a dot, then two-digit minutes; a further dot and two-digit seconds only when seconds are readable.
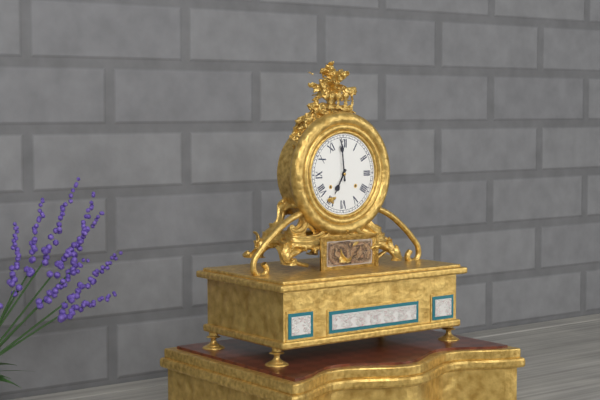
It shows 6.59
